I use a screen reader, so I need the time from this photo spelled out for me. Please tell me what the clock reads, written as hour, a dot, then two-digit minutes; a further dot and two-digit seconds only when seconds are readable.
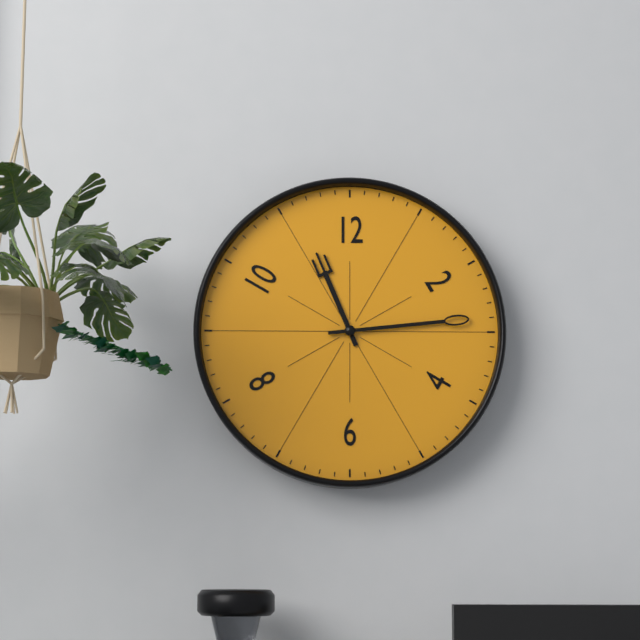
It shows 11.14
